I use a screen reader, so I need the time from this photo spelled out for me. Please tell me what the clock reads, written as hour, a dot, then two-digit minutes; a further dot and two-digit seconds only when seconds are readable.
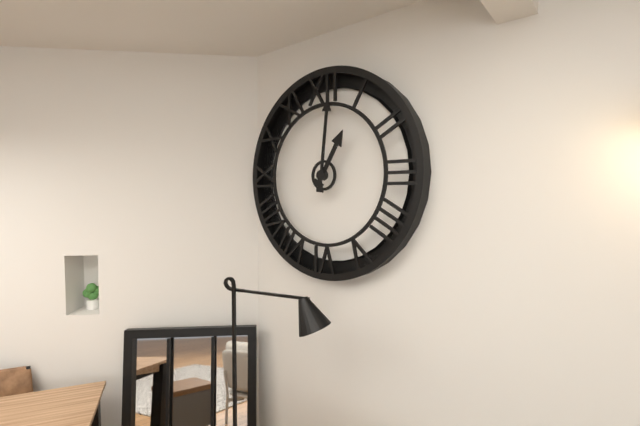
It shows 1.01
